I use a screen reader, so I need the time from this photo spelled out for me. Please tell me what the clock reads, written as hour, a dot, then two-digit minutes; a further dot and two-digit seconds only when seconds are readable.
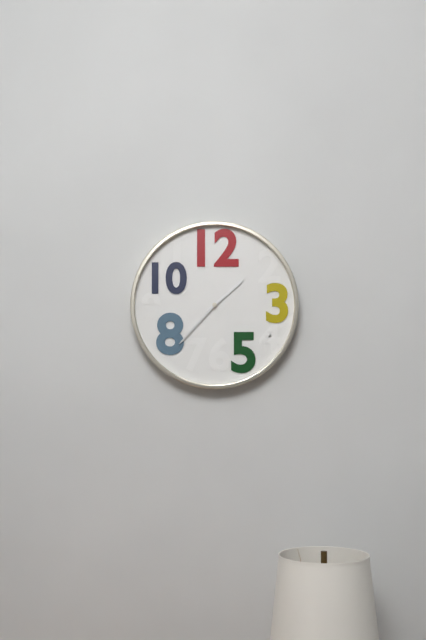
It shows 1.37
